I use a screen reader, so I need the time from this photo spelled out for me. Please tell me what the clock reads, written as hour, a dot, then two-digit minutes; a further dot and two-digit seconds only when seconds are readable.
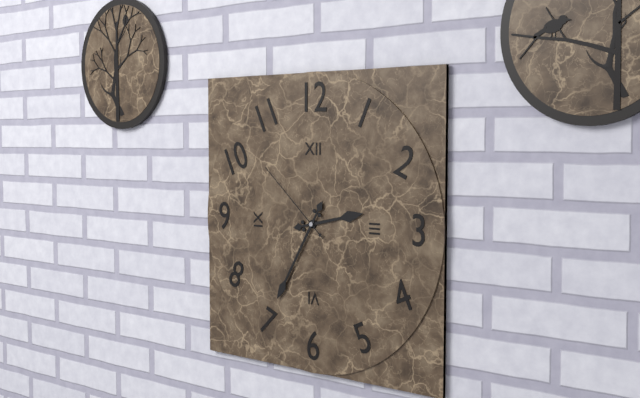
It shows 2.35.52
